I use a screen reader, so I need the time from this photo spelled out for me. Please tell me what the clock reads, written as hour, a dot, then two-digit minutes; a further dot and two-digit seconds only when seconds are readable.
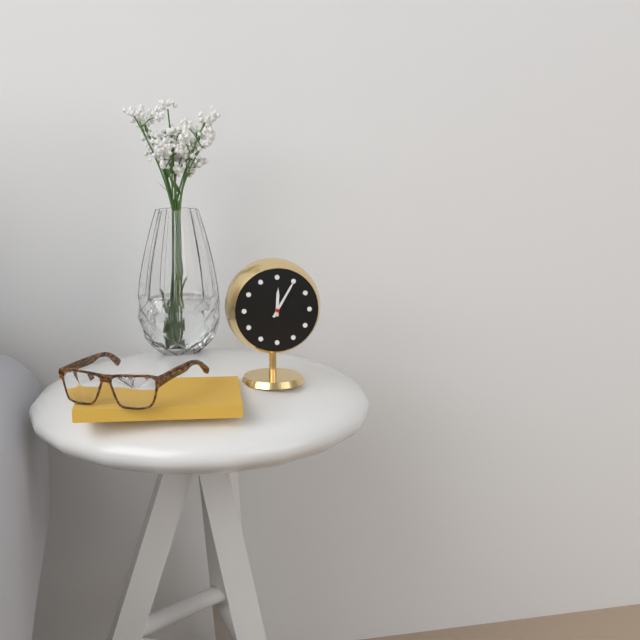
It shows 12.05
